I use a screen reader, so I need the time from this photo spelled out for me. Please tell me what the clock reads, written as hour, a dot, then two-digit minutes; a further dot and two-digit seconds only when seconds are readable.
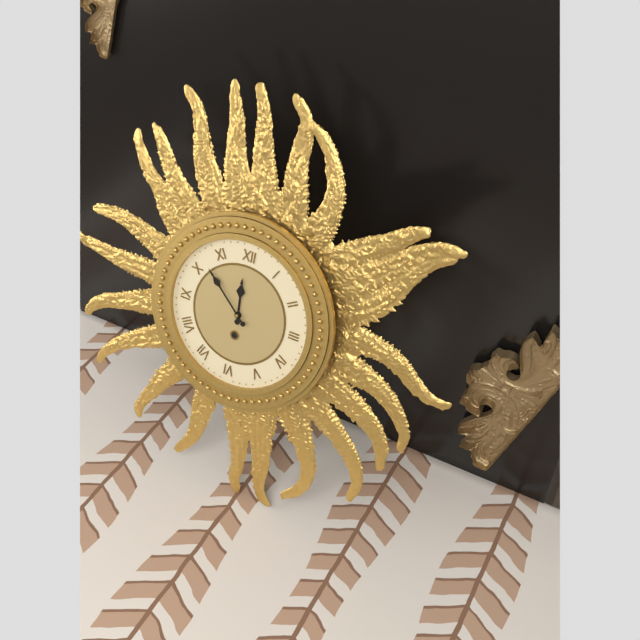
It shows 11.52
